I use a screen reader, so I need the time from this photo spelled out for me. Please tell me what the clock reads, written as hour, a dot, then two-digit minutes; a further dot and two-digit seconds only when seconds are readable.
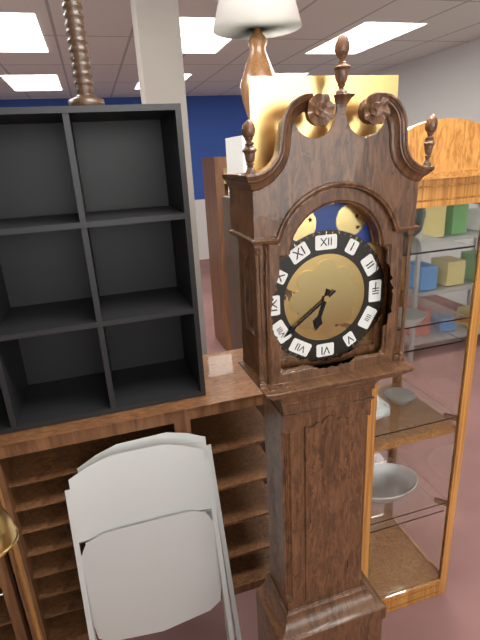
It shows 6.39
